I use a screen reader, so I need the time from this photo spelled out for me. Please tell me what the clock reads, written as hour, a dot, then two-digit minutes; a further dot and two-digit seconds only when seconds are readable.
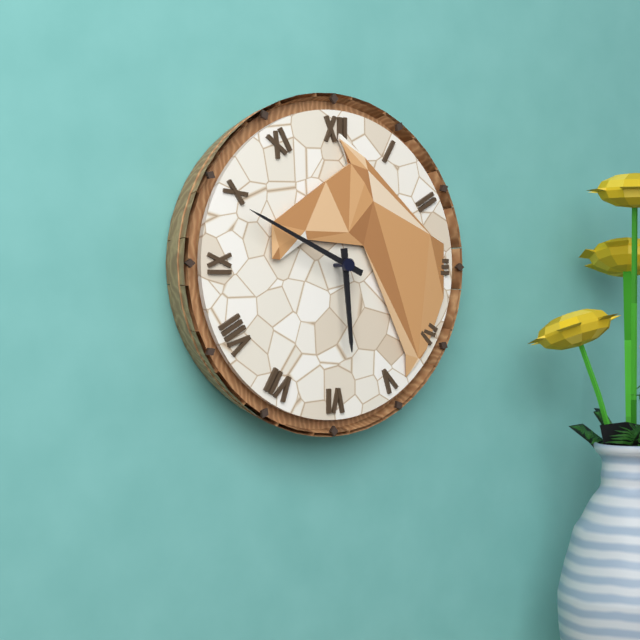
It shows 5.49
